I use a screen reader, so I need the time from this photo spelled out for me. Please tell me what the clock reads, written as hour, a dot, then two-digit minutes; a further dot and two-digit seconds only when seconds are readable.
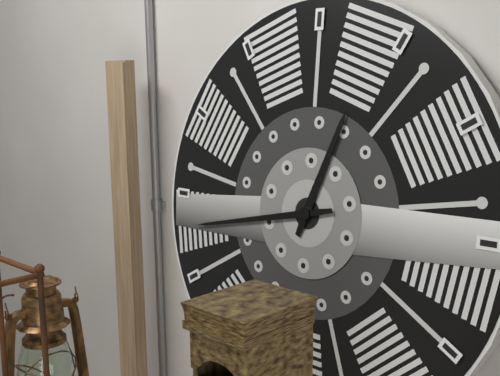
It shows 12.43
